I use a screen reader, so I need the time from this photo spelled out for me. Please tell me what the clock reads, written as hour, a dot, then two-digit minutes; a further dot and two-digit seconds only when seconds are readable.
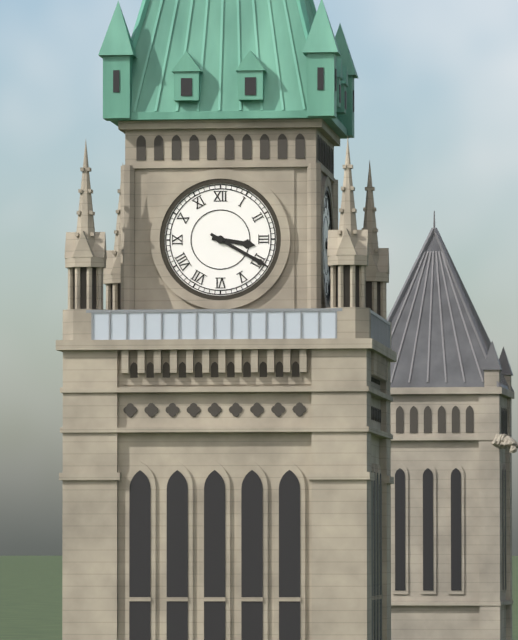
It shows 3.20
